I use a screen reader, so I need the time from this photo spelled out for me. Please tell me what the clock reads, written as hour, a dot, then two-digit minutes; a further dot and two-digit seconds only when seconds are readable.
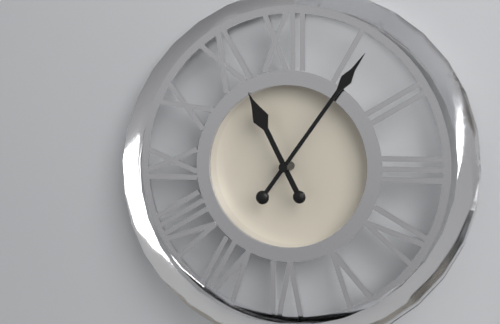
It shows 11.06
